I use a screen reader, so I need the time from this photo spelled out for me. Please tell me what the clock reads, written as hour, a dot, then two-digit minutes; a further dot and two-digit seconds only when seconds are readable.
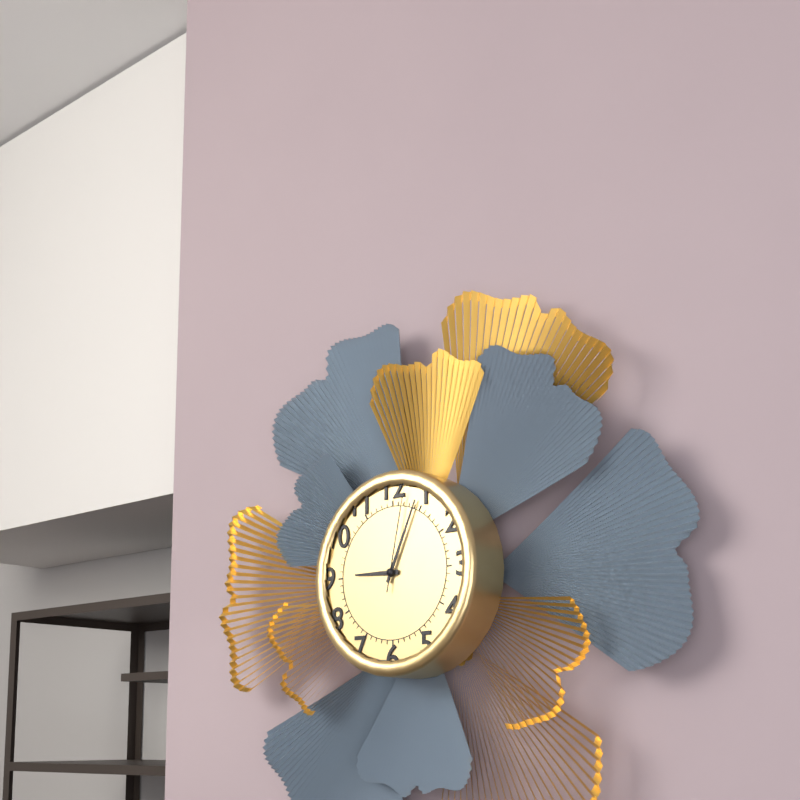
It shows 9.04.02
